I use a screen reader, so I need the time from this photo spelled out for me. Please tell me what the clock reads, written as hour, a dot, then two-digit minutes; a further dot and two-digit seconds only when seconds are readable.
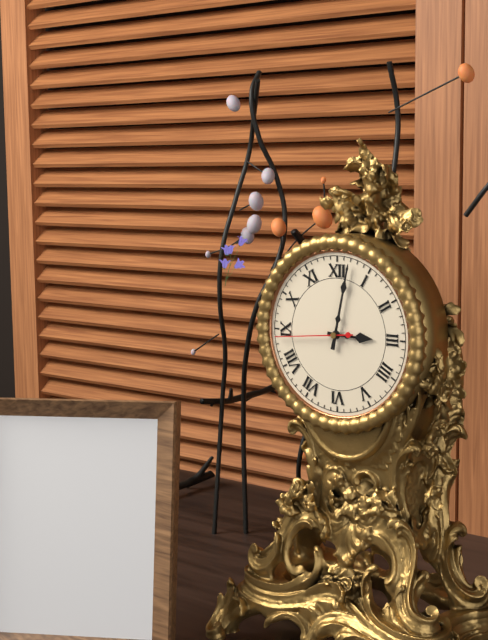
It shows 3.02.44
